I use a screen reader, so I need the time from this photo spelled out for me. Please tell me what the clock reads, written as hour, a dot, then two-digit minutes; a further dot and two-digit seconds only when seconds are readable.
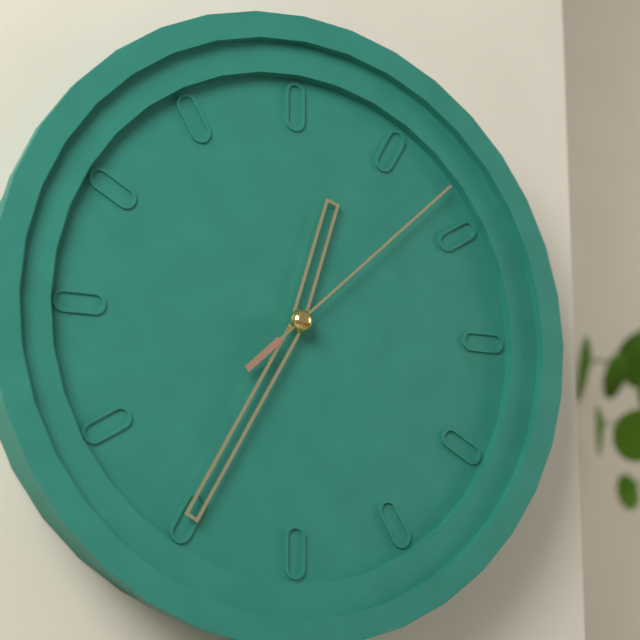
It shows 12.35.08
